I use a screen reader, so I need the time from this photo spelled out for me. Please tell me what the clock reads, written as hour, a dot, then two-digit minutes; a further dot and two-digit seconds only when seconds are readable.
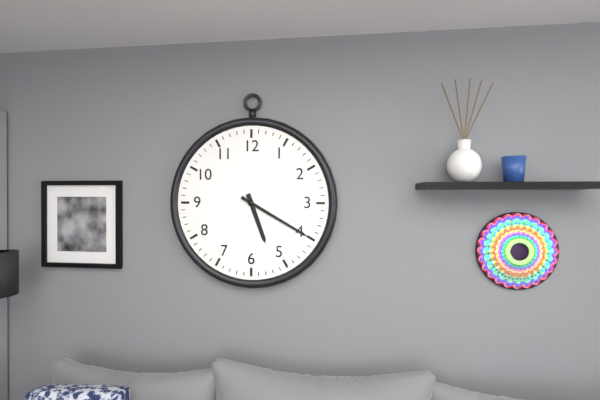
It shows 5.20
